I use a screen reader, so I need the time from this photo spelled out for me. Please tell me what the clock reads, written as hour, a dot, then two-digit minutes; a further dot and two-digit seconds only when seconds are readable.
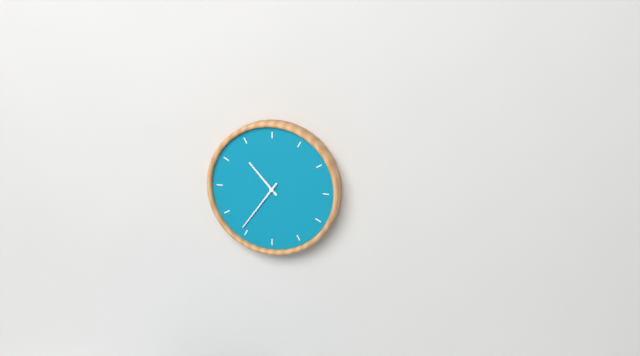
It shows 10.36
